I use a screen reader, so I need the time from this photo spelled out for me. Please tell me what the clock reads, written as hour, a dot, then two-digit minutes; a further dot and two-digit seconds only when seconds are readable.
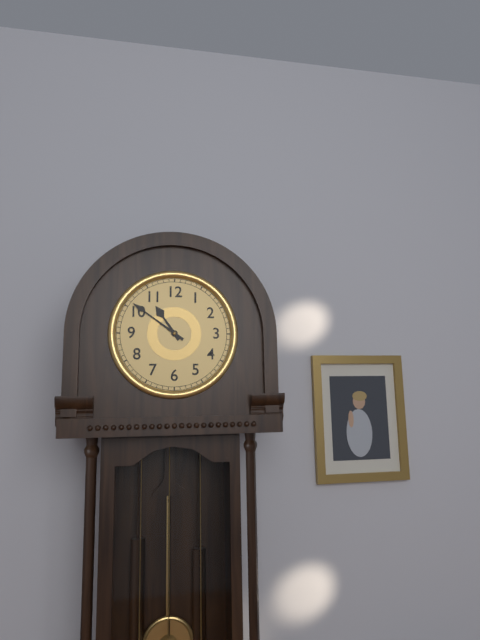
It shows 10.51
